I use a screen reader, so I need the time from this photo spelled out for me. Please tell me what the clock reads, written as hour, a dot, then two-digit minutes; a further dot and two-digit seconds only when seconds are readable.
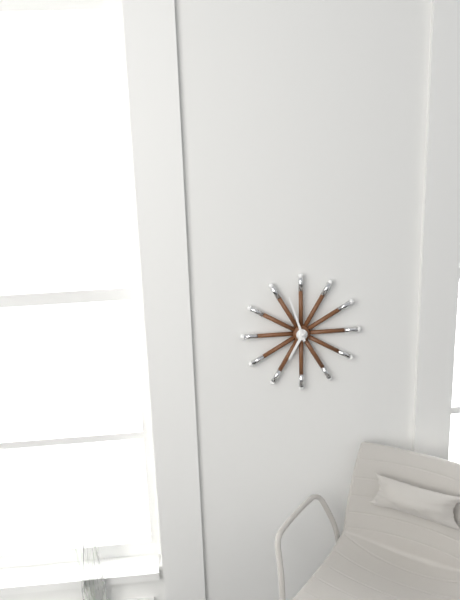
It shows 6.57
